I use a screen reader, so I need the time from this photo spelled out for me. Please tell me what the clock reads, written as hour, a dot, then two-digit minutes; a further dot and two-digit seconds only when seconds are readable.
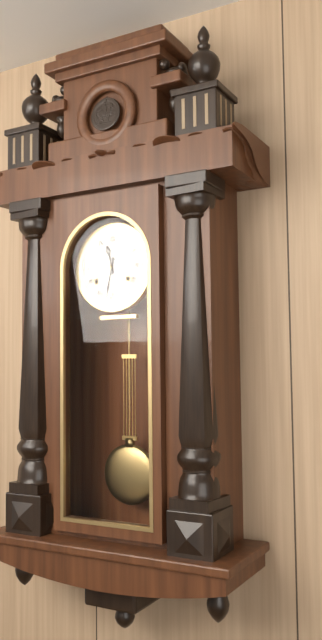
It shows 11.32
